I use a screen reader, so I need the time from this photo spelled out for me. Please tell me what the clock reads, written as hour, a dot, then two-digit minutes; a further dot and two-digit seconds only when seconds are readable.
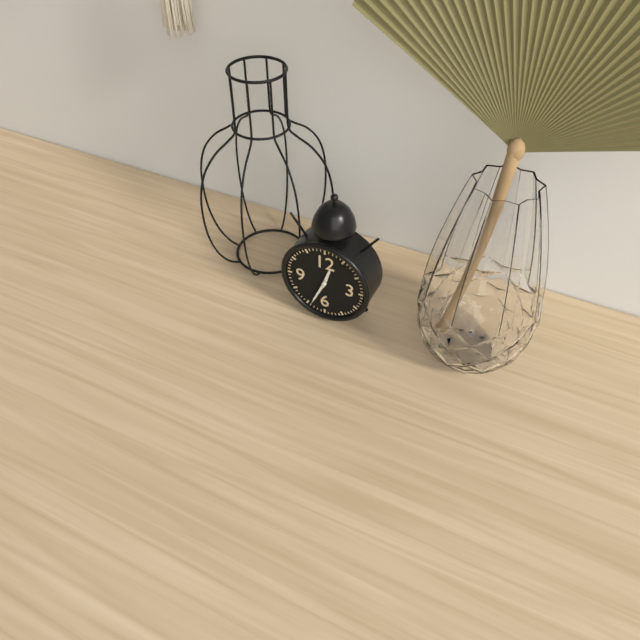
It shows 12.34
